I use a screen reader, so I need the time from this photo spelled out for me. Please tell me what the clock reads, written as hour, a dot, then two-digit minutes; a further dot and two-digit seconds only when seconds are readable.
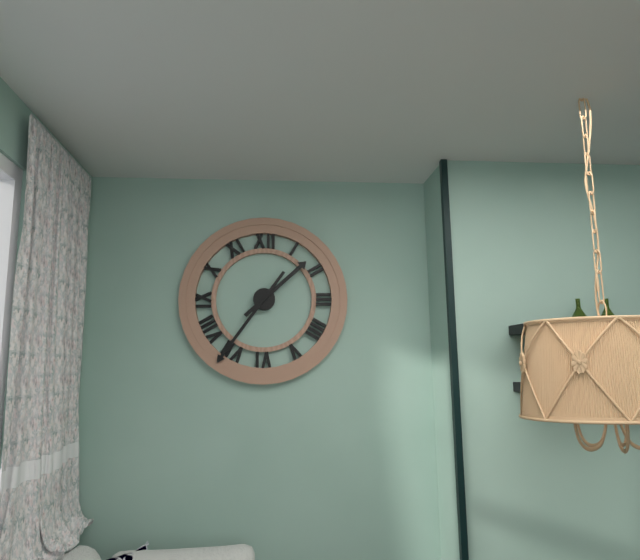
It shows 1.36
